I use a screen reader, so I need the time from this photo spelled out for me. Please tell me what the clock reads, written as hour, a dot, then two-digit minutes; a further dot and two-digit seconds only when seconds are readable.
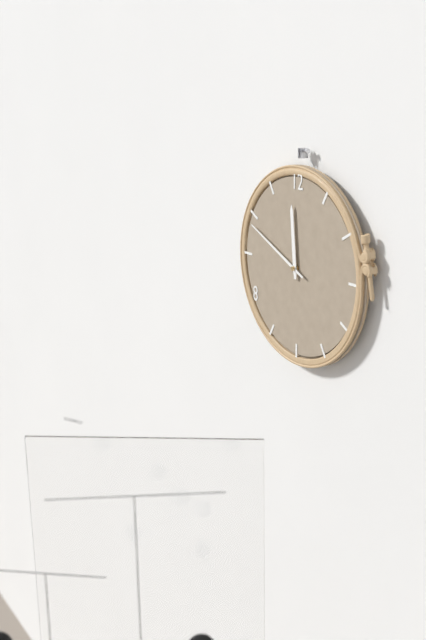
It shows 11.49
